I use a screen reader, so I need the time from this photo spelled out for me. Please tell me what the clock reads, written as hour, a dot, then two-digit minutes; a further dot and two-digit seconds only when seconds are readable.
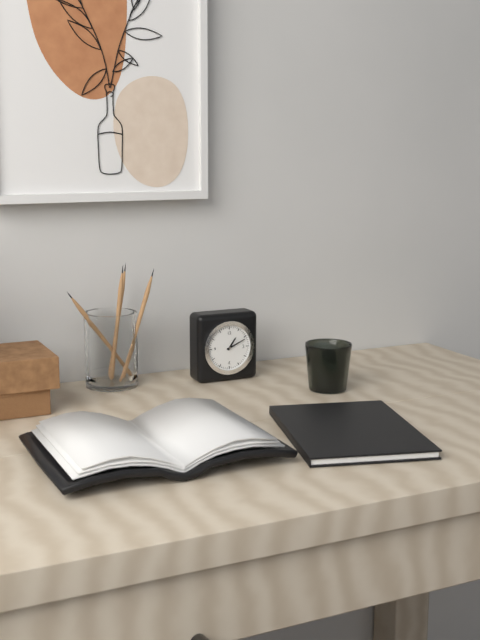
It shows 1.11
